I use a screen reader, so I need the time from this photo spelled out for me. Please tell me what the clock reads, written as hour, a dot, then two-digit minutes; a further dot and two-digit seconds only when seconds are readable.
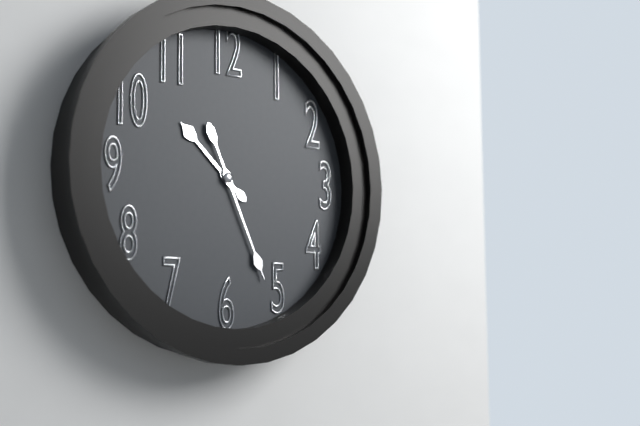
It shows 10.26
